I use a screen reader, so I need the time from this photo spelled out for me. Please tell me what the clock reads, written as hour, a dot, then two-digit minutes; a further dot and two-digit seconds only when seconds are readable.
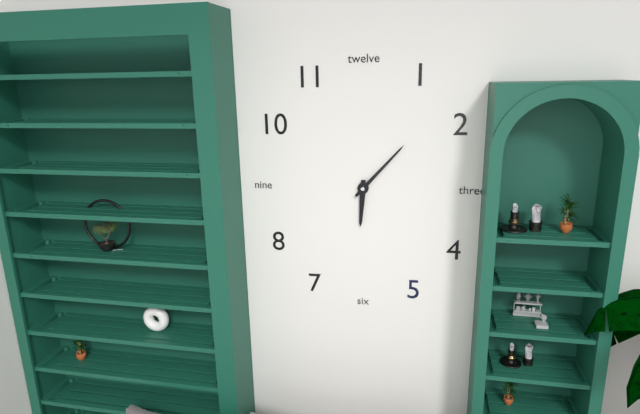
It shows 6.07
